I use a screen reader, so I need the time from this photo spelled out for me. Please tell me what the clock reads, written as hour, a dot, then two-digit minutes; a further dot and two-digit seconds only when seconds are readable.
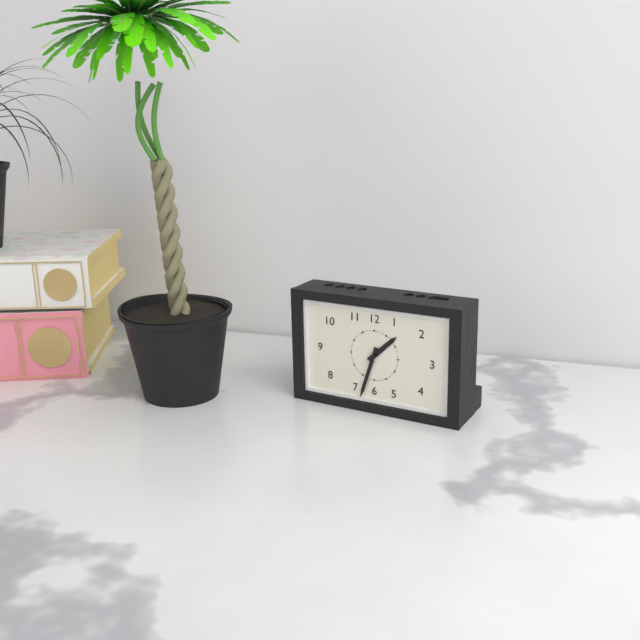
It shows 1.33
